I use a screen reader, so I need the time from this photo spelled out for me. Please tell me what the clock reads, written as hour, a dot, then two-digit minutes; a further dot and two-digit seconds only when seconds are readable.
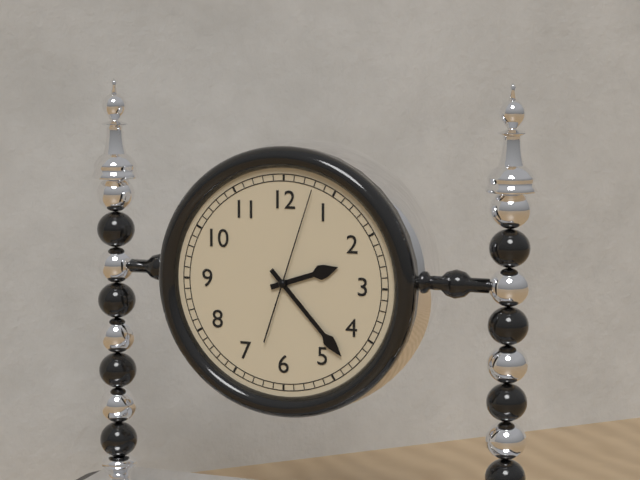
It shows 2.23.03
